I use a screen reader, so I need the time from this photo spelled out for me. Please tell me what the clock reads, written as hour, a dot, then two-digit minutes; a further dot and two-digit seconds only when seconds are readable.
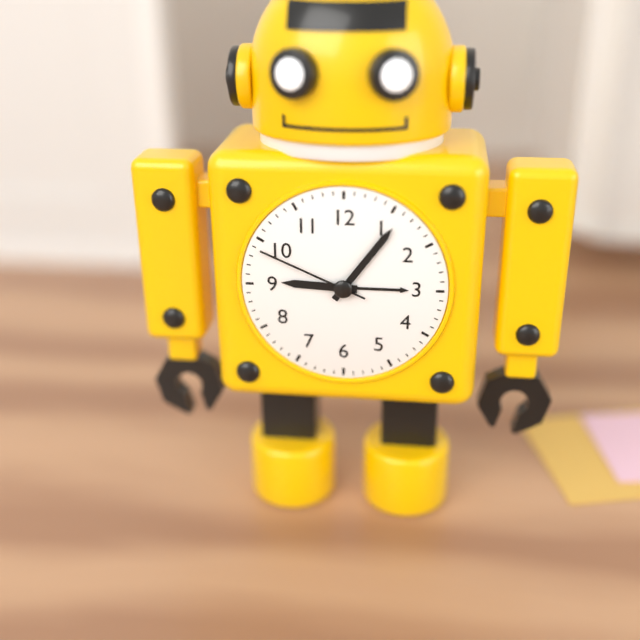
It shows 9.06.49
